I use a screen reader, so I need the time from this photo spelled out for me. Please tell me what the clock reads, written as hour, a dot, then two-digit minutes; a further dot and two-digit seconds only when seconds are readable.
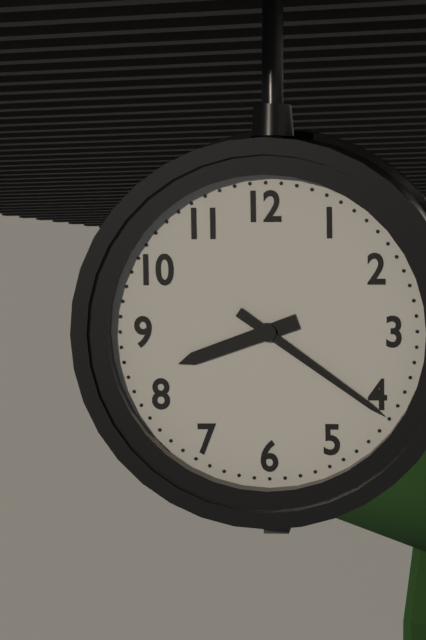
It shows 8.21
